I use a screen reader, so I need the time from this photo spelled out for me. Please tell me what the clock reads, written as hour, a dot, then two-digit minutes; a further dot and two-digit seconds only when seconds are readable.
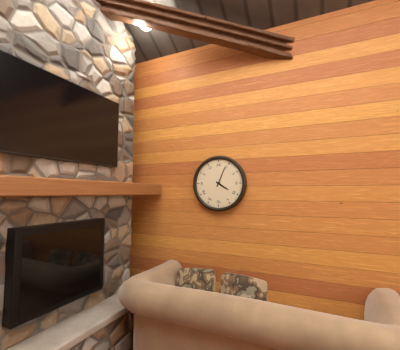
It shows 4.04
